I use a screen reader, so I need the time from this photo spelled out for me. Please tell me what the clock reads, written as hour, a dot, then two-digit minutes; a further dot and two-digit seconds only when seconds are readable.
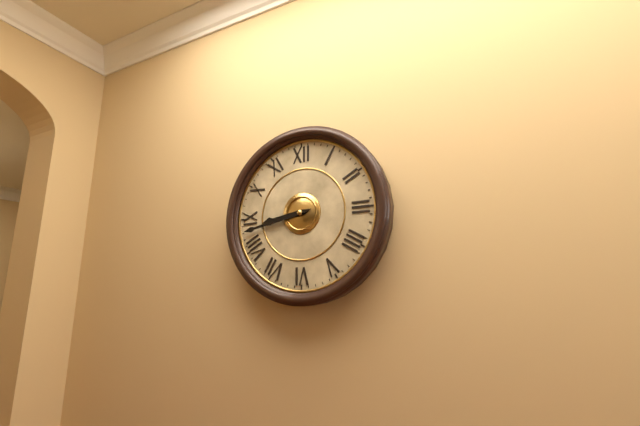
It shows 8.43
